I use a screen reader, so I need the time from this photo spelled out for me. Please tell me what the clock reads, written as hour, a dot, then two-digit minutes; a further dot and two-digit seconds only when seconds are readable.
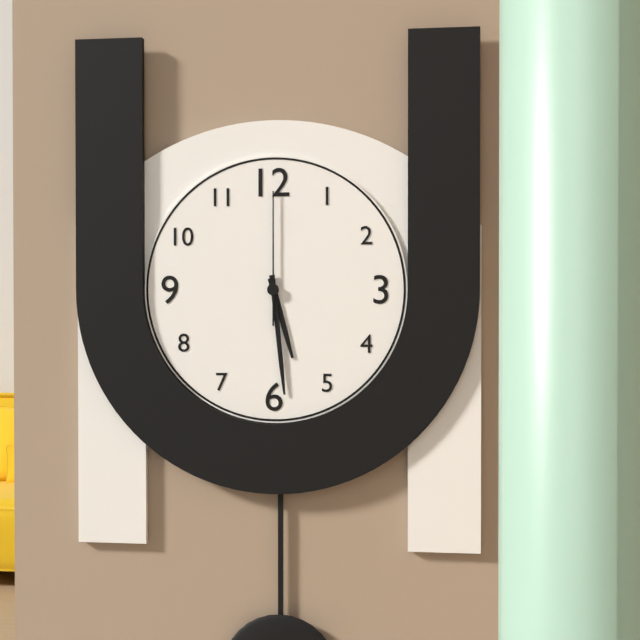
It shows 5.29.00
